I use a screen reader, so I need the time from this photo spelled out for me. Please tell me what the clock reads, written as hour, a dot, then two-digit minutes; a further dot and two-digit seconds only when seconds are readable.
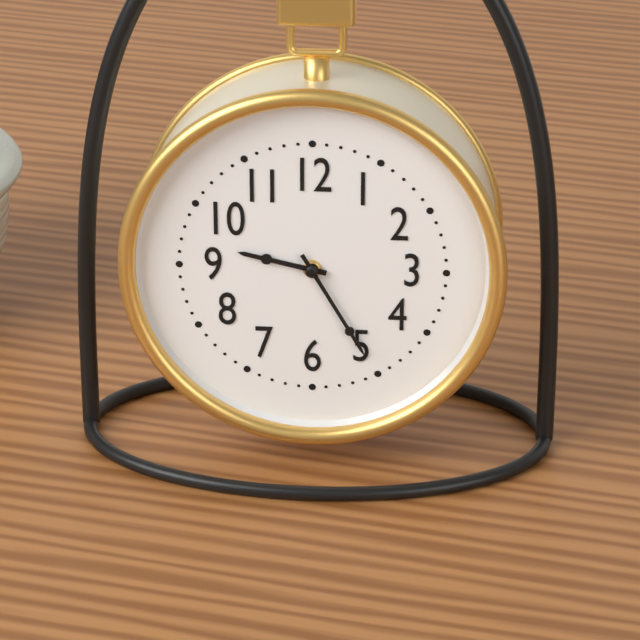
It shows 9.25
